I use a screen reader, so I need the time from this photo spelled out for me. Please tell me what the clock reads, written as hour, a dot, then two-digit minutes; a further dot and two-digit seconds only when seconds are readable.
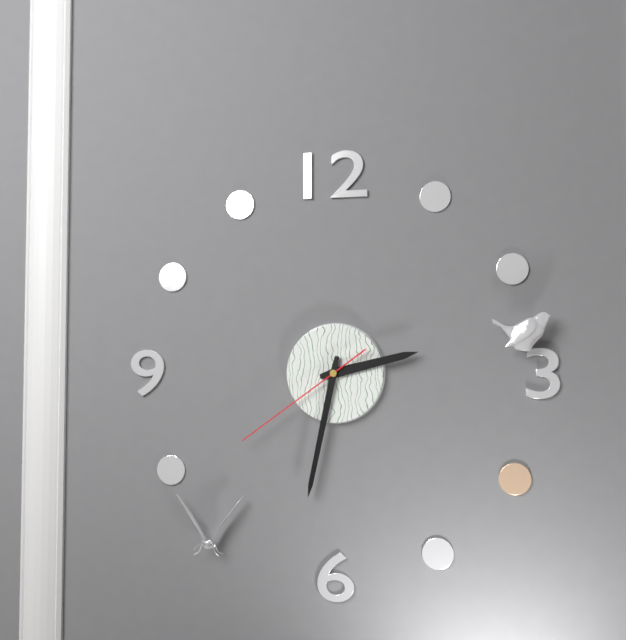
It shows 2.32.39
